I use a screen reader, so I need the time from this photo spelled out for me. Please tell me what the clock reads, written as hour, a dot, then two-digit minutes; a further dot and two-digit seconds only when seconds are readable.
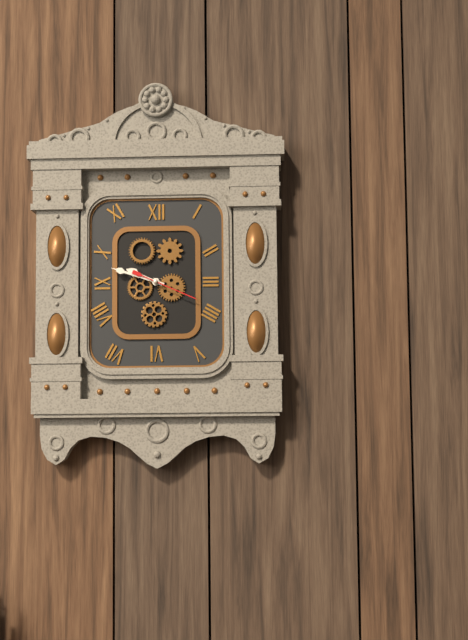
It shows 9.48.19
